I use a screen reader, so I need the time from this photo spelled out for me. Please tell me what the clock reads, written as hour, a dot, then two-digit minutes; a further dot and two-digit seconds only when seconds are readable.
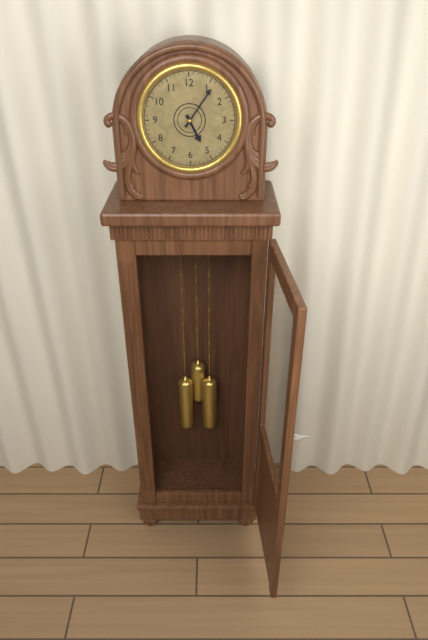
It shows 5.06
